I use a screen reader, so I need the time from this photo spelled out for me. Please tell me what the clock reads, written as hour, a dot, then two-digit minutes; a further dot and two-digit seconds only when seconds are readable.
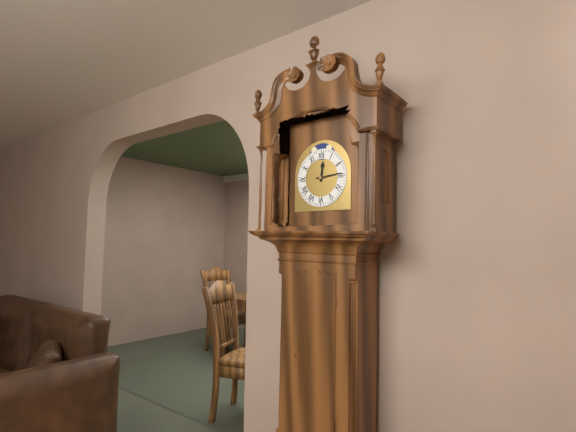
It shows 12.14
